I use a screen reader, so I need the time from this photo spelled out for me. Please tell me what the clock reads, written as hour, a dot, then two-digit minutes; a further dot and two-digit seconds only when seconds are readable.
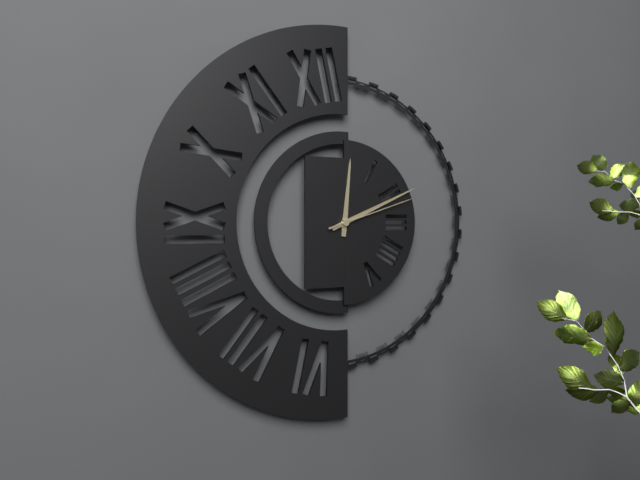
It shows 12.11.12
